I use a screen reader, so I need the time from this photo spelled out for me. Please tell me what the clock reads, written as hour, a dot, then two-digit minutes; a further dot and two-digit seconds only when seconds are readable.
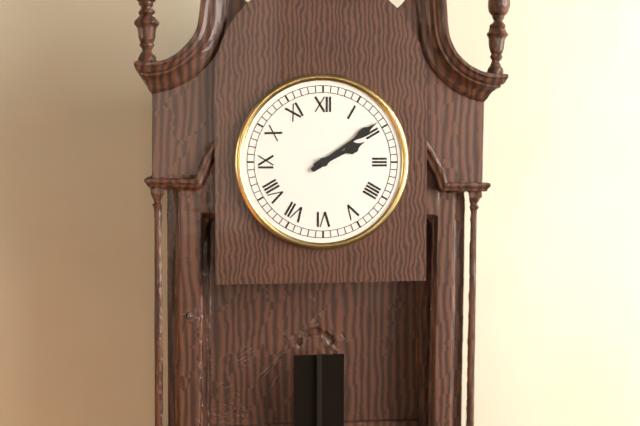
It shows 2.09
